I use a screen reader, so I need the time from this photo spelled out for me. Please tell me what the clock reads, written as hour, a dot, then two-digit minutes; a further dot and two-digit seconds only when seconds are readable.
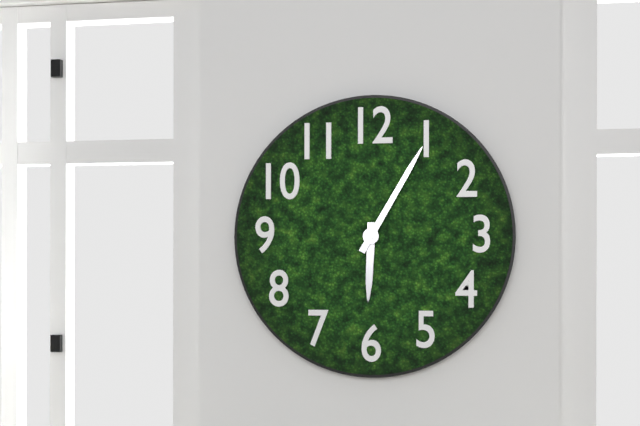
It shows 6.05
